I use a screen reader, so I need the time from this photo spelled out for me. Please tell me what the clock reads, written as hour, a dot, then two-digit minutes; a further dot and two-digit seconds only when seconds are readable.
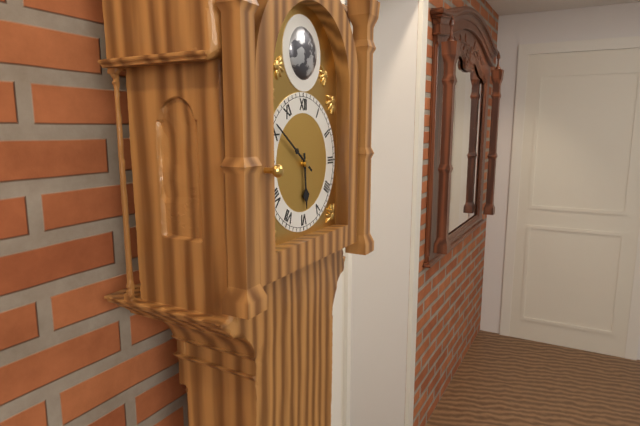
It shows 5.51
